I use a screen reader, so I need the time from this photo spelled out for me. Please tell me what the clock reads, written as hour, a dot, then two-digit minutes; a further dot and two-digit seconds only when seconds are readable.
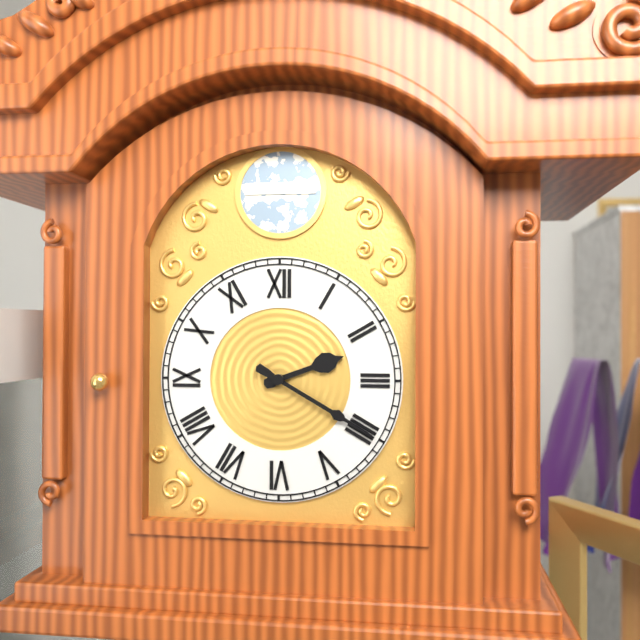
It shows 2.20
